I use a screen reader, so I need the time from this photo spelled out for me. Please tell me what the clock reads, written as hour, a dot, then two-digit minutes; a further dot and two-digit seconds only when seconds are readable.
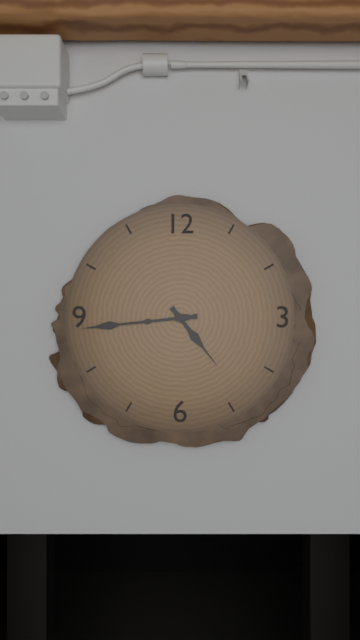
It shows 4.44
